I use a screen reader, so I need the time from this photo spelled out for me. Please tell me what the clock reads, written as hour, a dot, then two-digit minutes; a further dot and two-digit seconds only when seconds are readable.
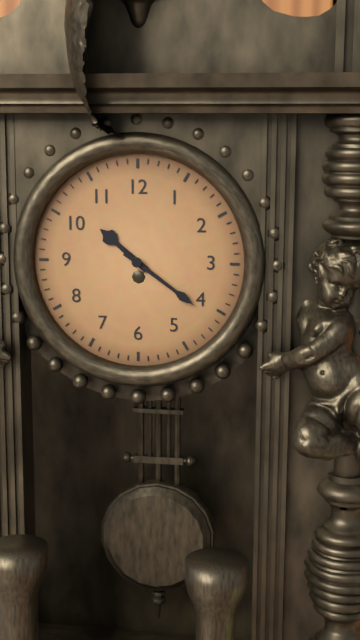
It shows 10.21
